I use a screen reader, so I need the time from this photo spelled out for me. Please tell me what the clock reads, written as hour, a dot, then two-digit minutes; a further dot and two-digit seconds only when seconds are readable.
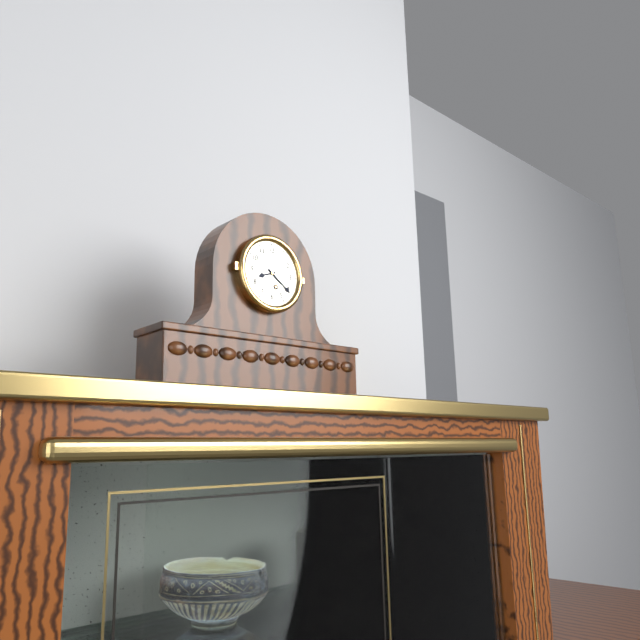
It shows 8.21
